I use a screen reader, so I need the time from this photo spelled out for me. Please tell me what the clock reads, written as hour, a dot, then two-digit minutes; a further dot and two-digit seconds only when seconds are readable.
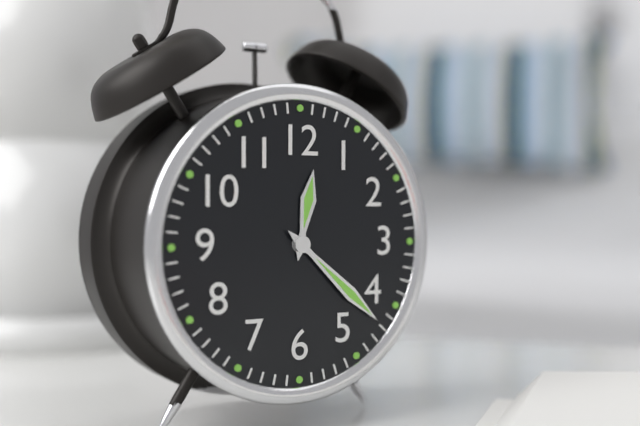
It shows 12.22
